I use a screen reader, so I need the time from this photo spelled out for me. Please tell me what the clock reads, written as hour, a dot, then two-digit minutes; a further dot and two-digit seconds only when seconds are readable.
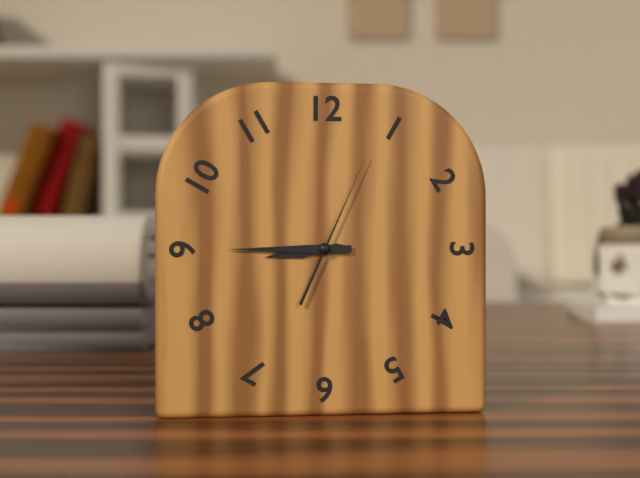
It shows 8.45.04
